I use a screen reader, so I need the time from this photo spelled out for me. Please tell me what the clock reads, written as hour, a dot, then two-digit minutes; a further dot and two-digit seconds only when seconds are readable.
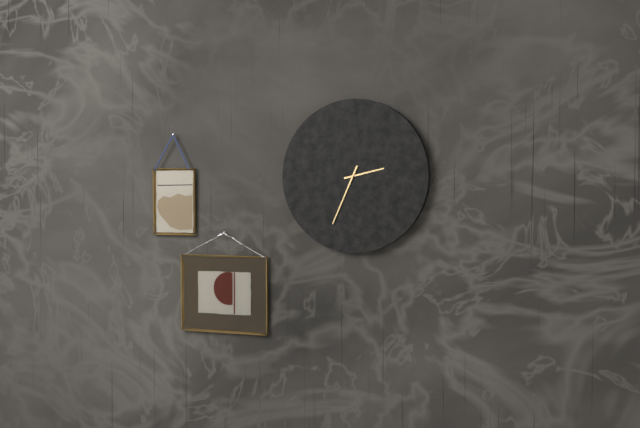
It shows 2.34
